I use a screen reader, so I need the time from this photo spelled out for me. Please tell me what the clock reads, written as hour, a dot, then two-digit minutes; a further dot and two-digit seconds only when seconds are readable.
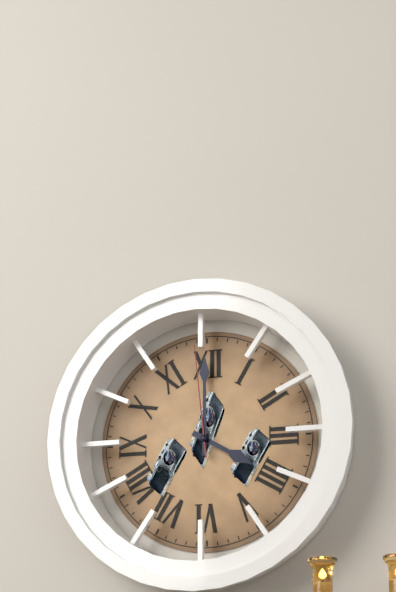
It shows 4.00.59
